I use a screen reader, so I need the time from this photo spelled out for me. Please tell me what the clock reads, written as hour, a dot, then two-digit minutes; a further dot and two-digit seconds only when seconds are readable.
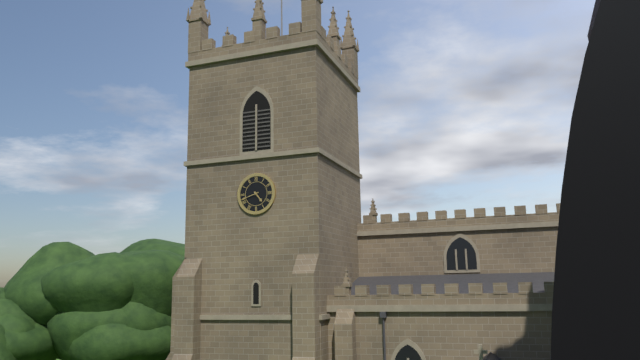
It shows 4.42
